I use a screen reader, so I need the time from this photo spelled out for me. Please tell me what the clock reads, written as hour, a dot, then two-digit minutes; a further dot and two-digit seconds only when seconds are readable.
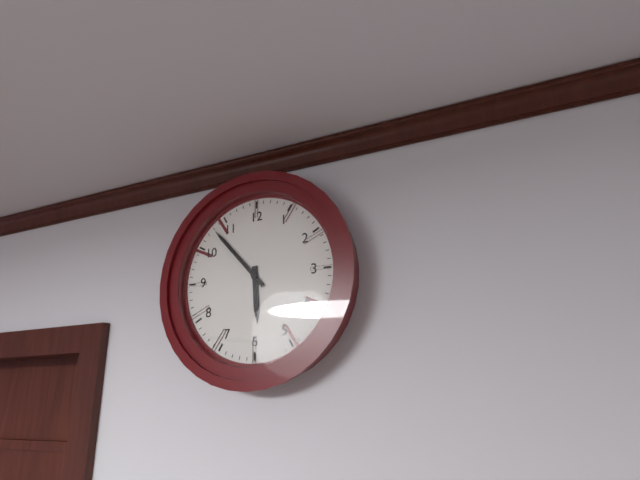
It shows 5.53
